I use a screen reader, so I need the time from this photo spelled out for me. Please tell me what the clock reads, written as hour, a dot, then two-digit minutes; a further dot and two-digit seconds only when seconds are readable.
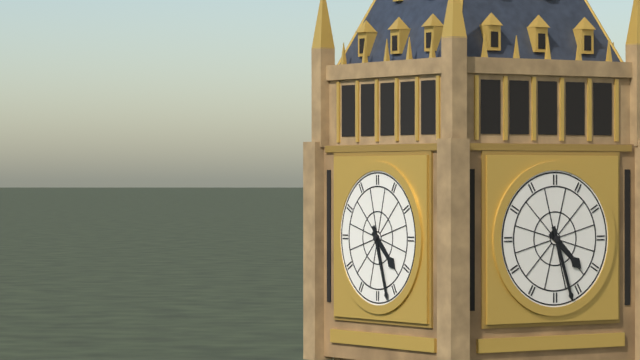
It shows 4.27
